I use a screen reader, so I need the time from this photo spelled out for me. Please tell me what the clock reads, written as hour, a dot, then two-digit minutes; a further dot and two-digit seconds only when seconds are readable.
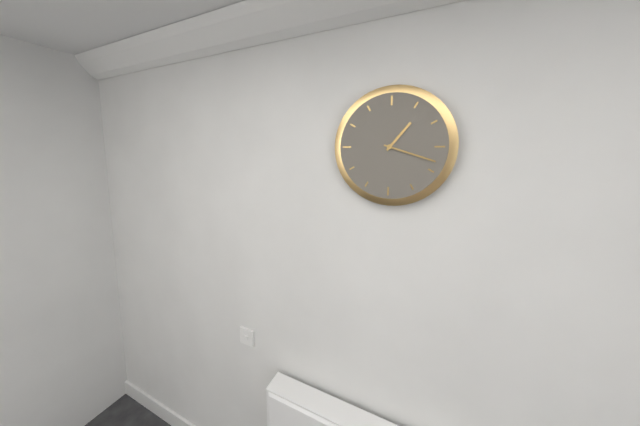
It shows 1.18
